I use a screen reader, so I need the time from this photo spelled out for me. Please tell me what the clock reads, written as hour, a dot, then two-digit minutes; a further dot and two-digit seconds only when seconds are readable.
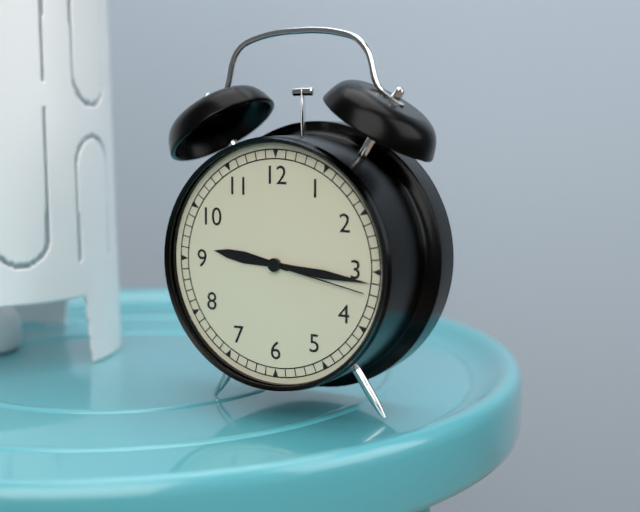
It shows 9.16.17
